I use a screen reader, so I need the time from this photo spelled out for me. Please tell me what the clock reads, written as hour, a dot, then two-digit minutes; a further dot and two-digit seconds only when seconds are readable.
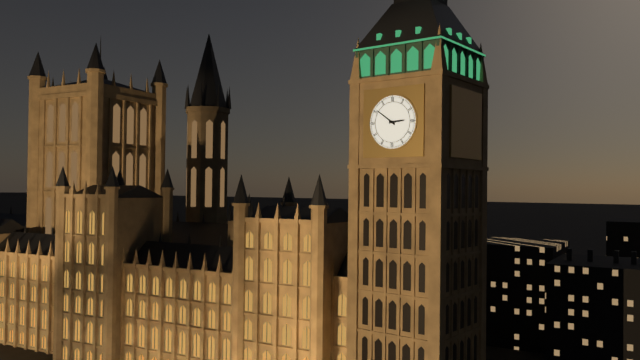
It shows 2.51
